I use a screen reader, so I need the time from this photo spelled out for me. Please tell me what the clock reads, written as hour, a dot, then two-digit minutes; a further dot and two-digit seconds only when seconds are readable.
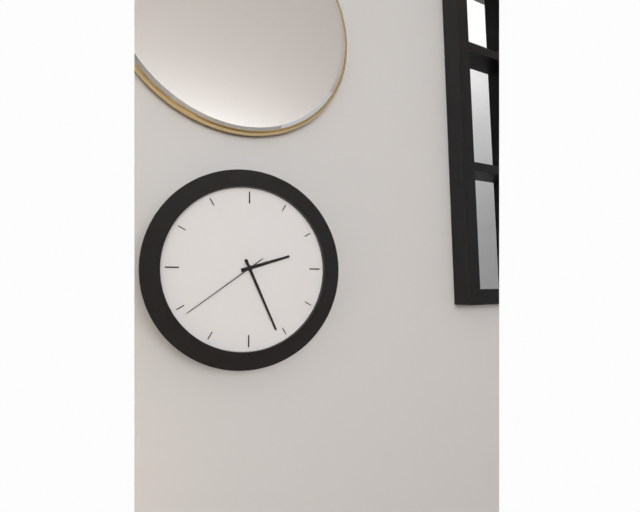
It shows 2.26.39
